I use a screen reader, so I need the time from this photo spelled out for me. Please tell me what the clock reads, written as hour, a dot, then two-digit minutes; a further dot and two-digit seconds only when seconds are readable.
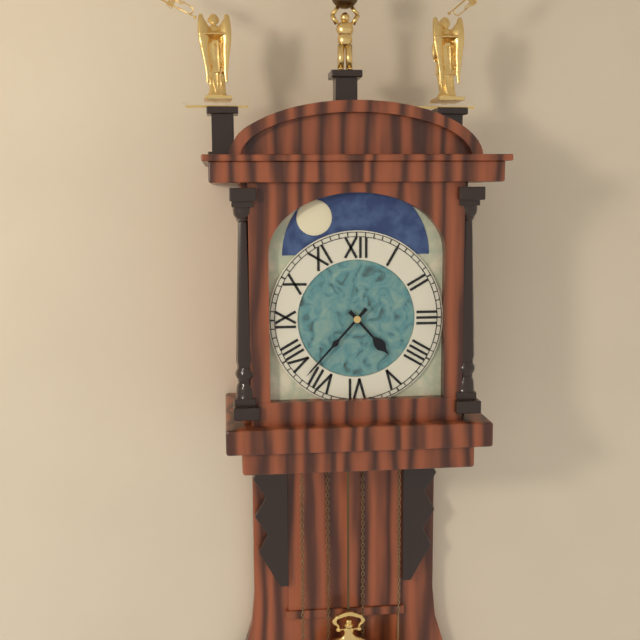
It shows 4.37
